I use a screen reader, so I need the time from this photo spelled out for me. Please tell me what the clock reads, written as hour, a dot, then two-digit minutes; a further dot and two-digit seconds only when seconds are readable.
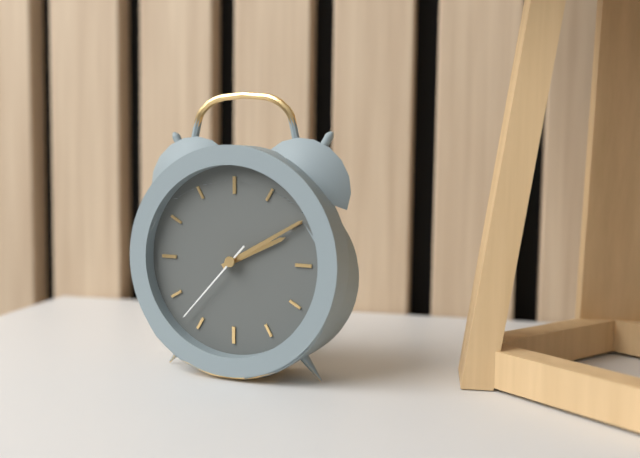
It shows 2.10.37
